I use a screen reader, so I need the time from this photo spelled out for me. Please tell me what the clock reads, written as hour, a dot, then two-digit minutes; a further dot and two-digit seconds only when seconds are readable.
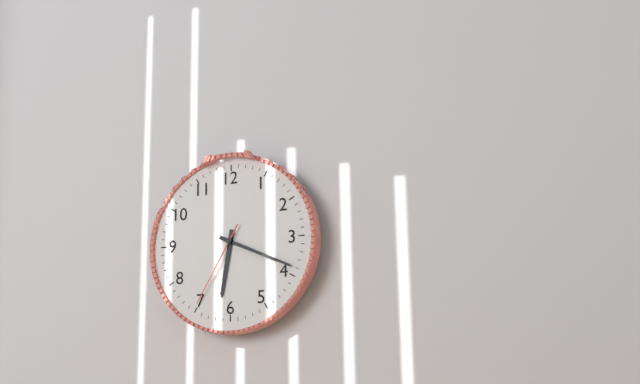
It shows 6.19.35
